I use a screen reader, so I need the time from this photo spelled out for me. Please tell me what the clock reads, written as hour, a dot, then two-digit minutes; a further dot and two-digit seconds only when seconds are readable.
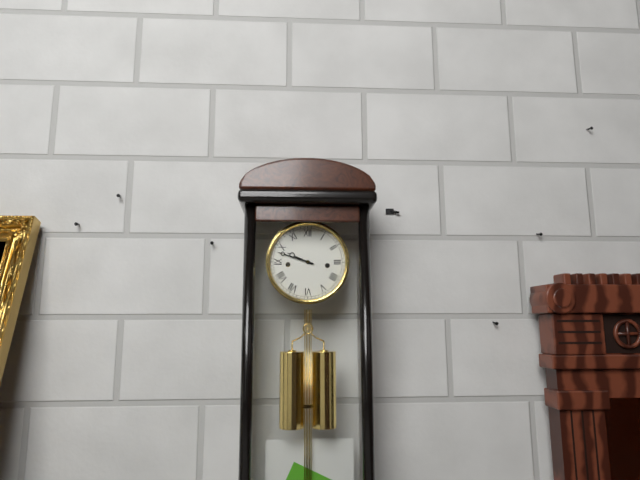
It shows 9.48
